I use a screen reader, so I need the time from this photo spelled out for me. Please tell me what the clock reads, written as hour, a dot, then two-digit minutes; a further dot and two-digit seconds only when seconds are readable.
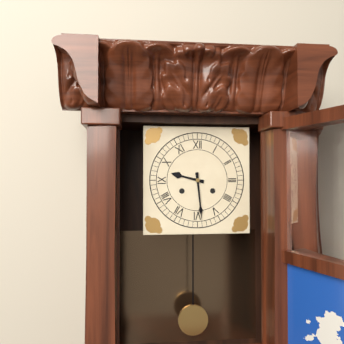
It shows 9.29
